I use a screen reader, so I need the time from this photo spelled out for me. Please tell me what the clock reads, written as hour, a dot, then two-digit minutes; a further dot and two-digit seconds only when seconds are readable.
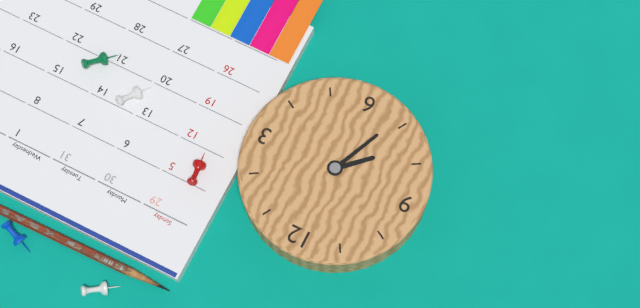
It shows 7.34
